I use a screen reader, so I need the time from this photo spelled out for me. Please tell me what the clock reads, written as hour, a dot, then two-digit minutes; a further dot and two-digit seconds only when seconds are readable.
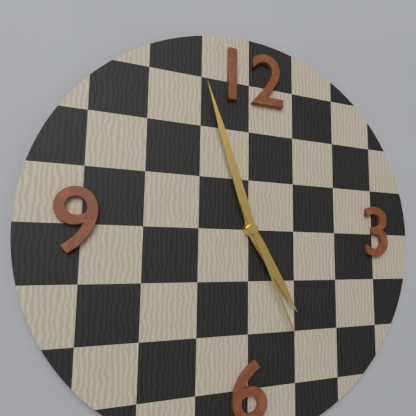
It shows 4.57.26
